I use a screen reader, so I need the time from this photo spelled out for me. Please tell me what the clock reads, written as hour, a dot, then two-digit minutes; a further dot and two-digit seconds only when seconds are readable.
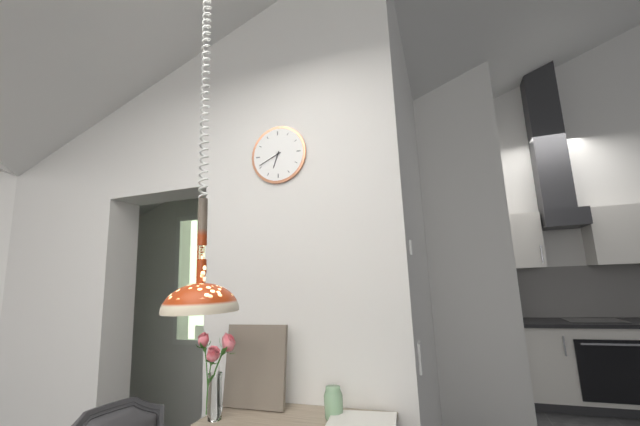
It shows 6.41
